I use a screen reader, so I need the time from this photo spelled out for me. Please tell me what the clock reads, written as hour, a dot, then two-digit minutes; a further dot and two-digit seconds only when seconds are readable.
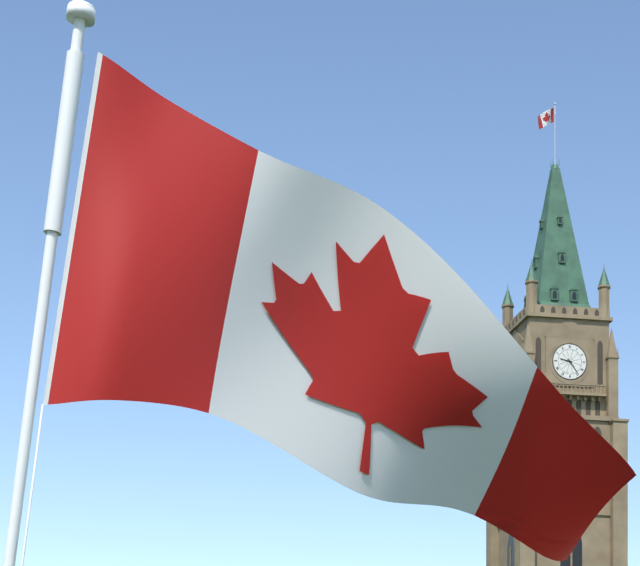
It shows 9.24
